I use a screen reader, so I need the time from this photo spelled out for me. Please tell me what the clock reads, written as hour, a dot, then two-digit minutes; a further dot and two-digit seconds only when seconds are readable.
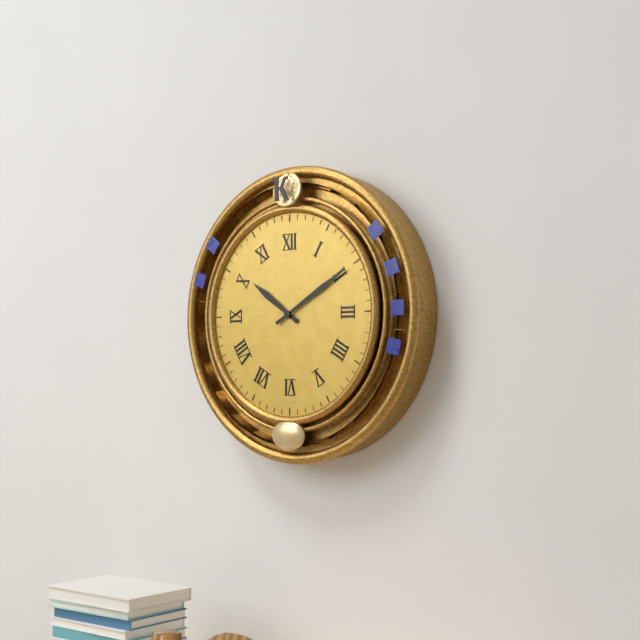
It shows 10.10
